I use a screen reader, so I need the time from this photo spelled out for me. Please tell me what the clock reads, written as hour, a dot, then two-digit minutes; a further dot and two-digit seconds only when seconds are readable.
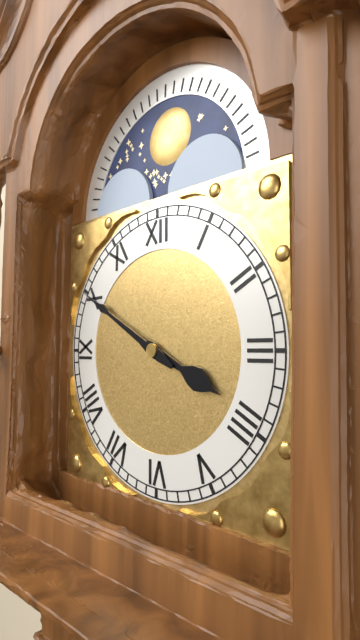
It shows 3.50
